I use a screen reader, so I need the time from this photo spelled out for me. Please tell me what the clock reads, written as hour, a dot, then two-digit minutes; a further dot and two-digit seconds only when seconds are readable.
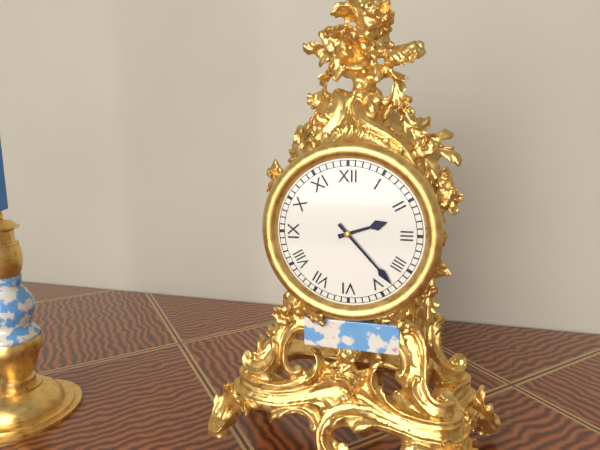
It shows 2.23
